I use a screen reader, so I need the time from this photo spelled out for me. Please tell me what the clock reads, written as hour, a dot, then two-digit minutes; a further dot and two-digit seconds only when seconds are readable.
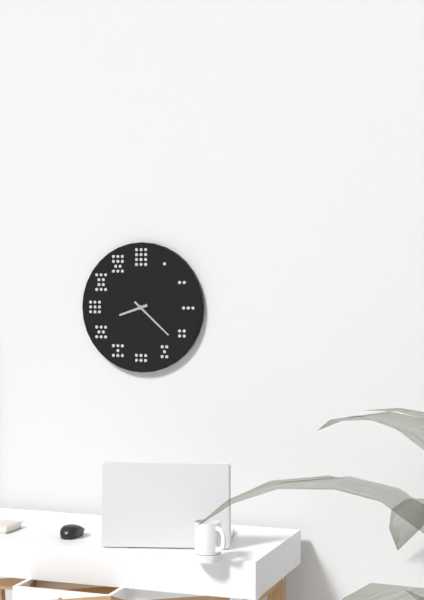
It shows 8.22
